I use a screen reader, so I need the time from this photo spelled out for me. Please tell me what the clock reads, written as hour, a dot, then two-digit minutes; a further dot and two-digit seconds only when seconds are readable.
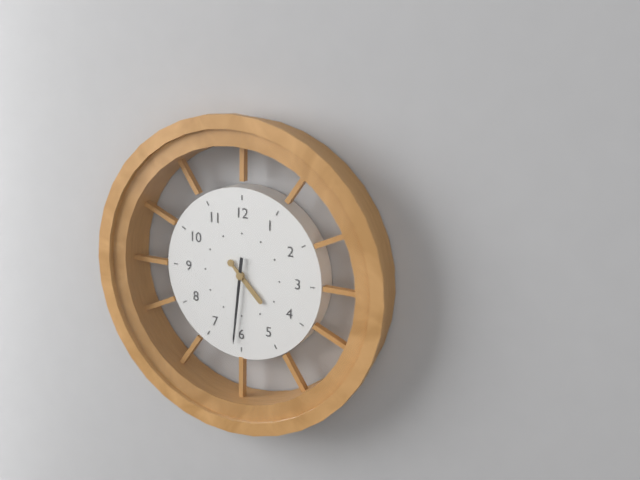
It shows 4.31
